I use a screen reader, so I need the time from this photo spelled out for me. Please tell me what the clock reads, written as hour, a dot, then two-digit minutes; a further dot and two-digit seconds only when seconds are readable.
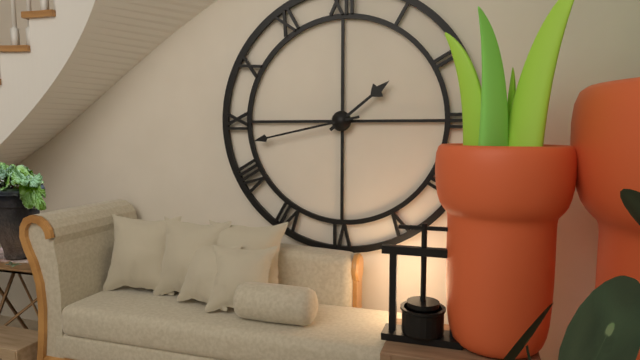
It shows 1.43
